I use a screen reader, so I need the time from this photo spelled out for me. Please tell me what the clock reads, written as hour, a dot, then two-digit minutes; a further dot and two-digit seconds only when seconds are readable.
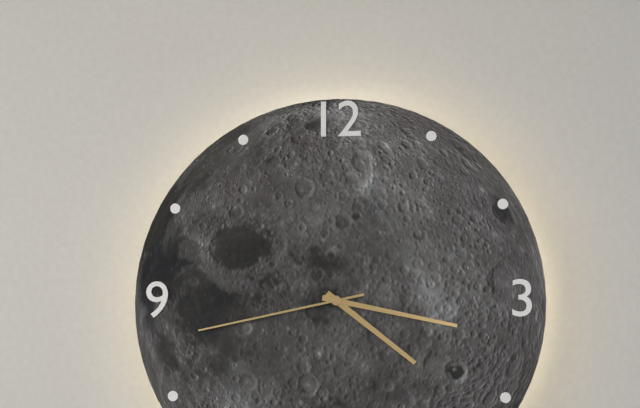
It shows 4.17.43
